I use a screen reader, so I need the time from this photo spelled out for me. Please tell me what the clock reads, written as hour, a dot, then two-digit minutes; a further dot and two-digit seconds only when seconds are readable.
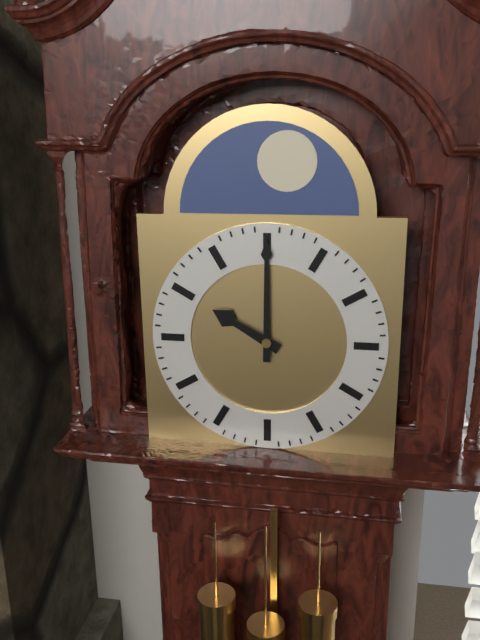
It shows 10.00
